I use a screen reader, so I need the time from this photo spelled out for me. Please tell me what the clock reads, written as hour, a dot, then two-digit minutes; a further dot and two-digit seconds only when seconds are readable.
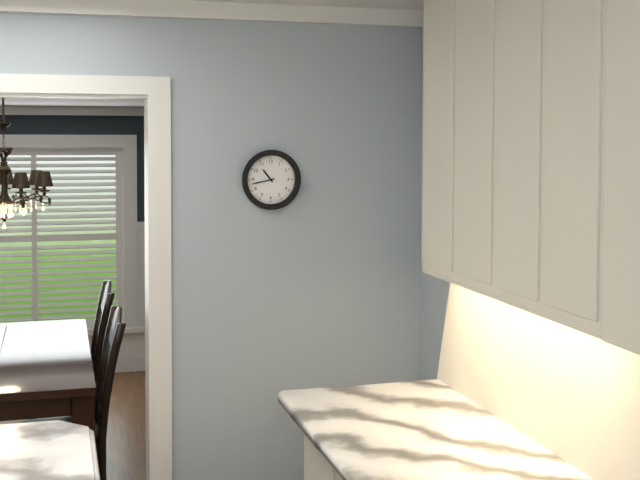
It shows 10.43
